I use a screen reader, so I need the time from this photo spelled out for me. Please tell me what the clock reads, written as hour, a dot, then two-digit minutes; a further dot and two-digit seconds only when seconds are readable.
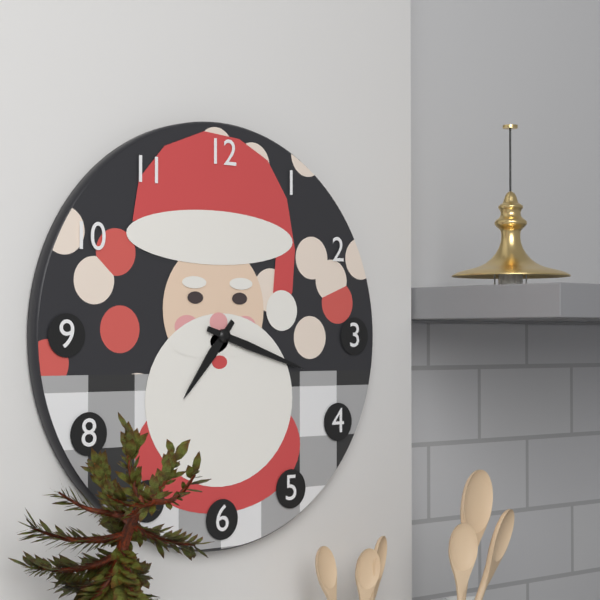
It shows 7.18
